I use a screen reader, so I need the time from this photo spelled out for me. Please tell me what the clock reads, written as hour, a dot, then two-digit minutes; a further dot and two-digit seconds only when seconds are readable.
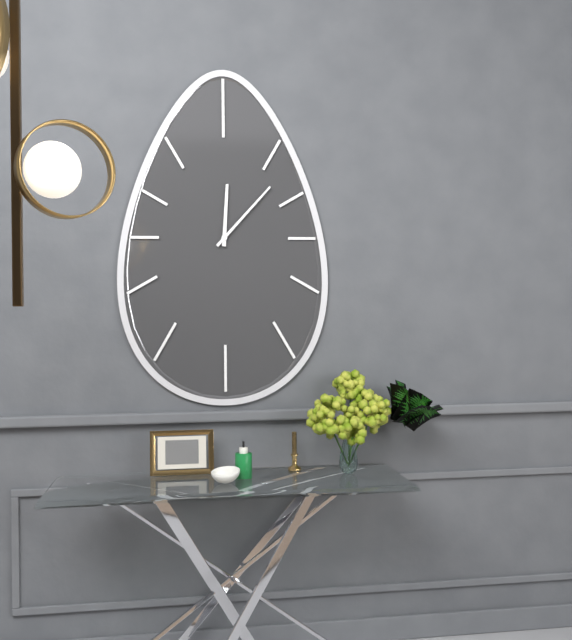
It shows 12.07
